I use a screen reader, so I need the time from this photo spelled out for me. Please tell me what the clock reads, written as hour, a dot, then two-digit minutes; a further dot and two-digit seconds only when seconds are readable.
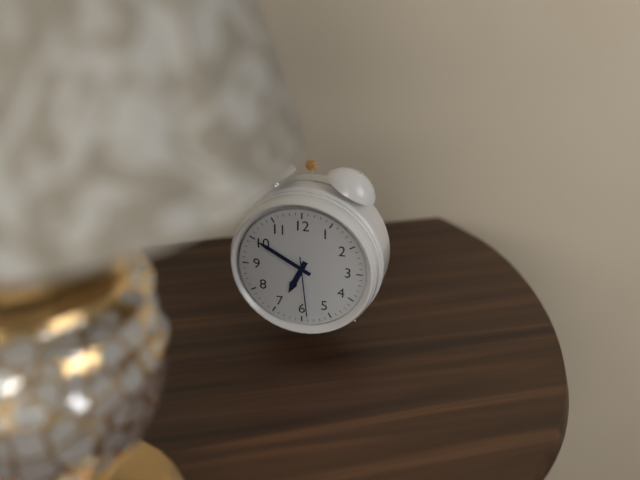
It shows 6.50.29
